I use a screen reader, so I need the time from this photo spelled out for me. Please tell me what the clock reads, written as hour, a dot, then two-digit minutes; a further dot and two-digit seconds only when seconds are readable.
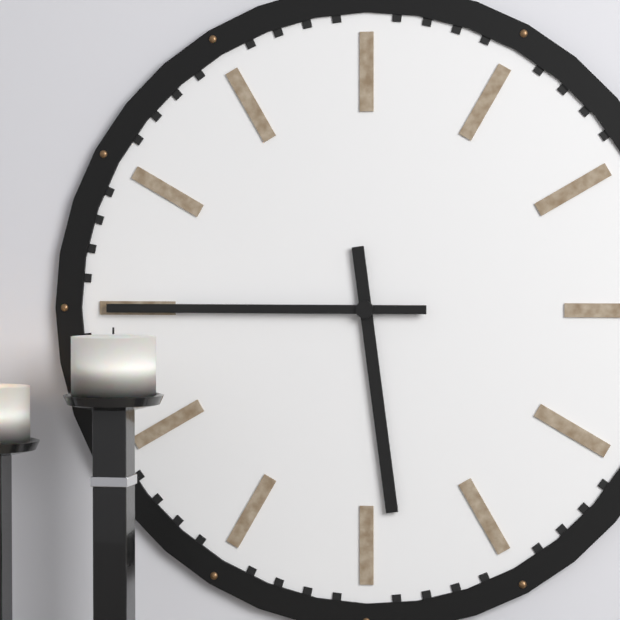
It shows 5.45
